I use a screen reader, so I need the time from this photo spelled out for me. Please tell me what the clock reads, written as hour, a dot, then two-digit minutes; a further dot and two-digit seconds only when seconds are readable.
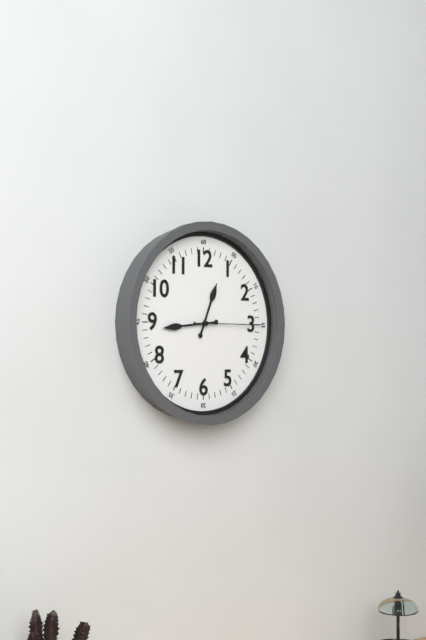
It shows 12.44.15
